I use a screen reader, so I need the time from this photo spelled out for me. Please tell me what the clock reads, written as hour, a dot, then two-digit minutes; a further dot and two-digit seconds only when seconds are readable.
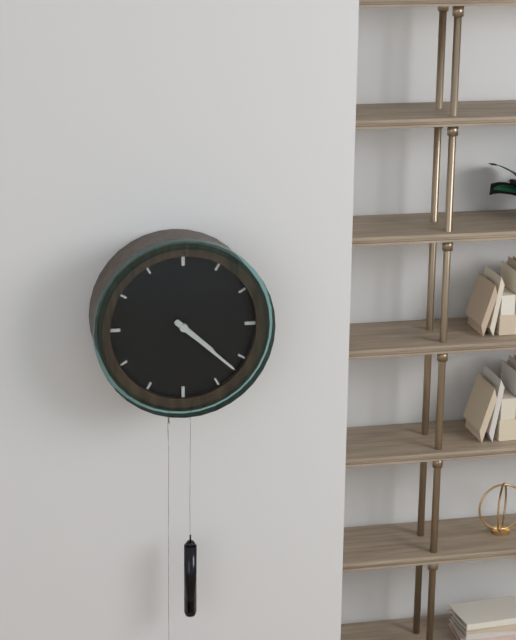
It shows 4.22
